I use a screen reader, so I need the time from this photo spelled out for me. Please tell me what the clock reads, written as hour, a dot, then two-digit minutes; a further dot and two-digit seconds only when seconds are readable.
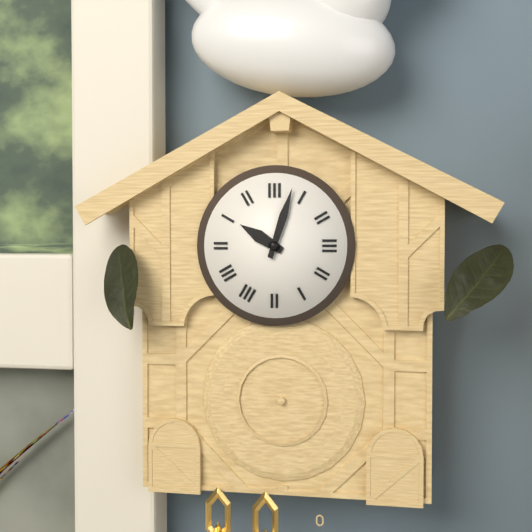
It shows 10.03
